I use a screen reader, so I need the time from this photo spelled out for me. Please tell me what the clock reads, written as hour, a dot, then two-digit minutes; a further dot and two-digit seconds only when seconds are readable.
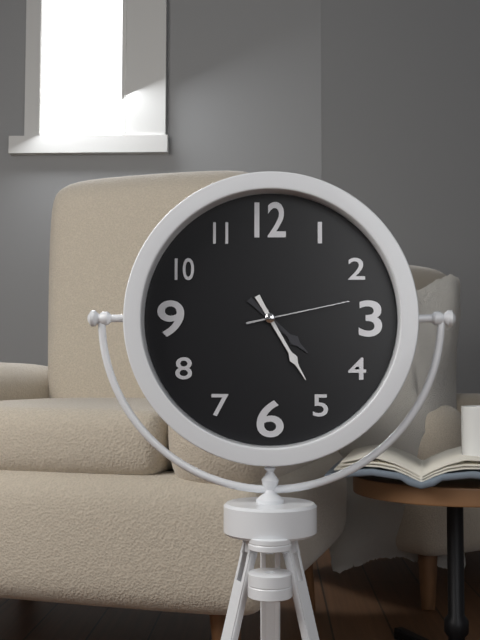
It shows 4.25.13
